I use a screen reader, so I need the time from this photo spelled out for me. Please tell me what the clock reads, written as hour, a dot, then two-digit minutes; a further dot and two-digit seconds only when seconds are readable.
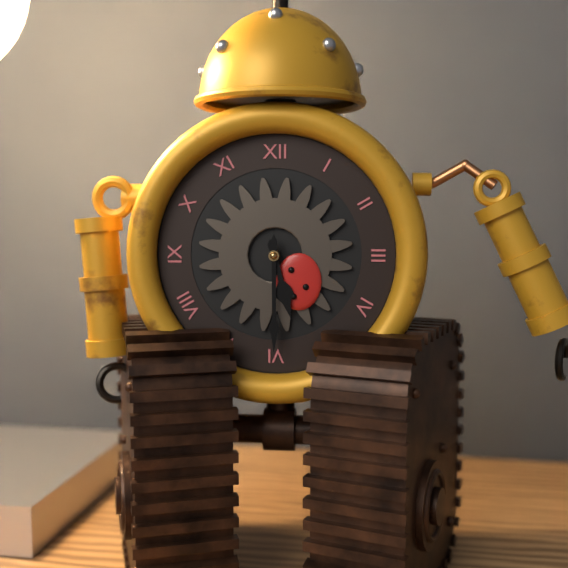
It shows 5.30
